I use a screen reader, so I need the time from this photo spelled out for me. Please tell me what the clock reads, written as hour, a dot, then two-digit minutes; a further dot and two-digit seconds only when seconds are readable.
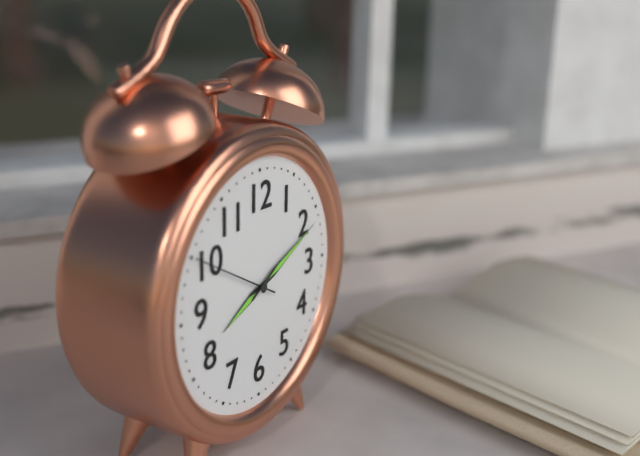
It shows 8.11.50
